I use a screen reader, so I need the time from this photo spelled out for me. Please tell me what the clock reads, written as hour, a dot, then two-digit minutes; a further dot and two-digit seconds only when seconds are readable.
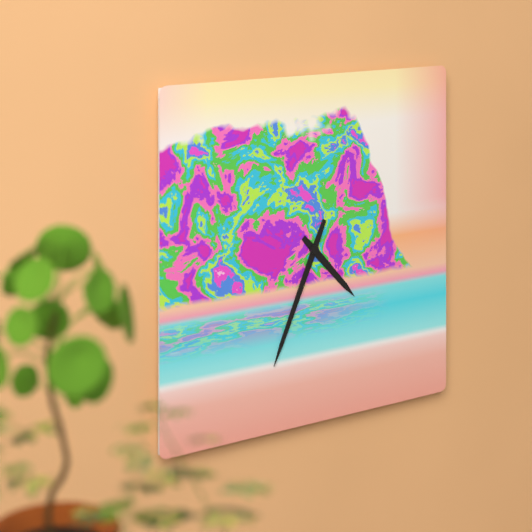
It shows 4.34
